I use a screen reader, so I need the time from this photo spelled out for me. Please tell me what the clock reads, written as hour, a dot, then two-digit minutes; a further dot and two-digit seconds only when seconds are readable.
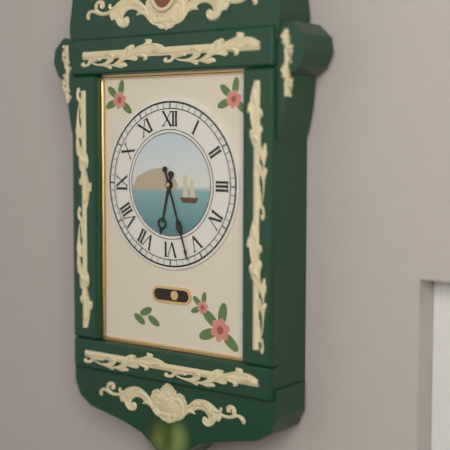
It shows 6.27
